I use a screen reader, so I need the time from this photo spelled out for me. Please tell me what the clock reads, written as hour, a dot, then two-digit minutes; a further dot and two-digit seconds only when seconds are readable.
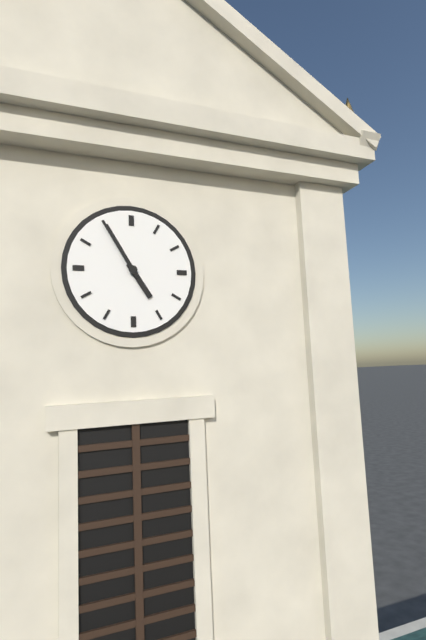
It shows 4.55
